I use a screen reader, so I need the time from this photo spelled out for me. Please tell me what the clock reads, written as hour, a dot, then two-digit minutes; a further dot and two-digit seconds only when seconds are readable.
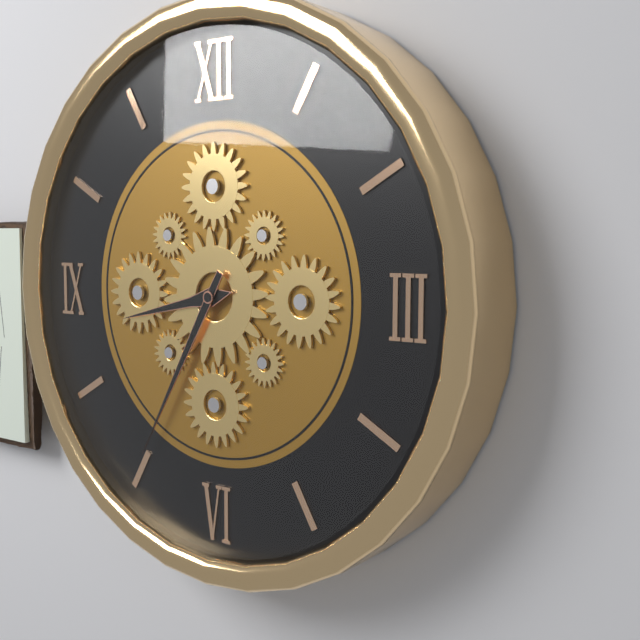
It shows 8.35
